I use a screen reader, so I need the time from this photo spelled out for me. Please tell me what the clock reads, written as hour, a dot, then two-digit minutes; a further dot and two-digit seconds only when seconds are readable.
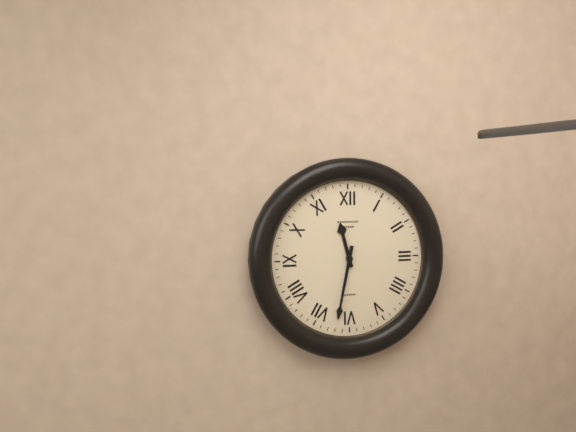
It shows 11.32
